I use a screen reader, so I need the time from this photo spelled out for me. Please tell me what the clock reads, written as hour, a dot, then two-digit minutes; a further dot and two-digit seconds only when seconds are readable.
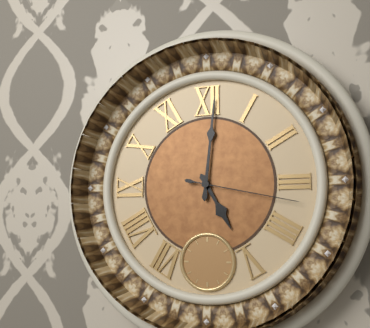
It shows 5.01.17
